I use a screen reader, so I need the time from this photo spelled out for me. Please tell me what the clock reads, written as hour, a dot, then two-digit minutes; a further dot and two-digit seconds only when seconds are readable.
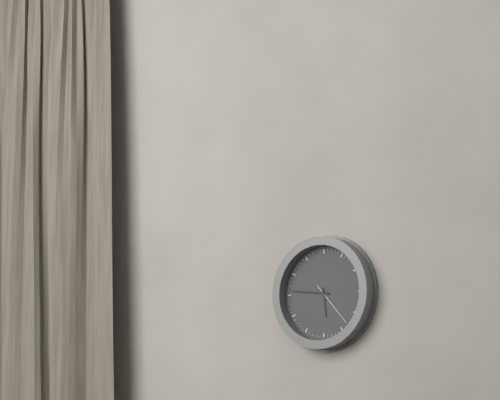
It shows 5.46
